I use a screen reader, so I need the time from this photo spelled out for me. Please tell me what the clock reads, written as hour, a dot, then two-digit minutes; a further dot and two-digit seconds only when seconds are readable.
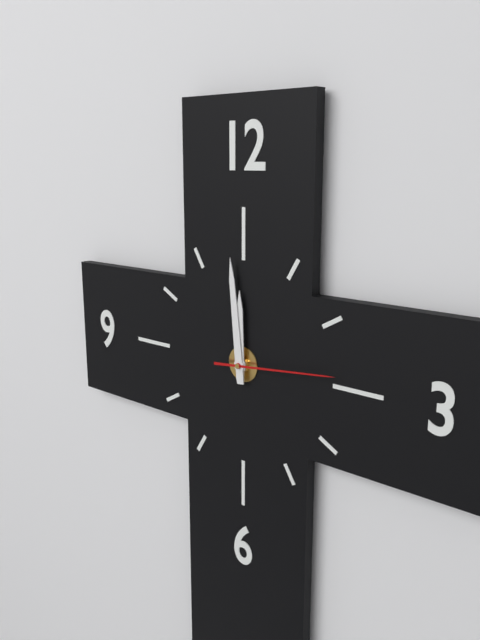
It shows 11.59.14
